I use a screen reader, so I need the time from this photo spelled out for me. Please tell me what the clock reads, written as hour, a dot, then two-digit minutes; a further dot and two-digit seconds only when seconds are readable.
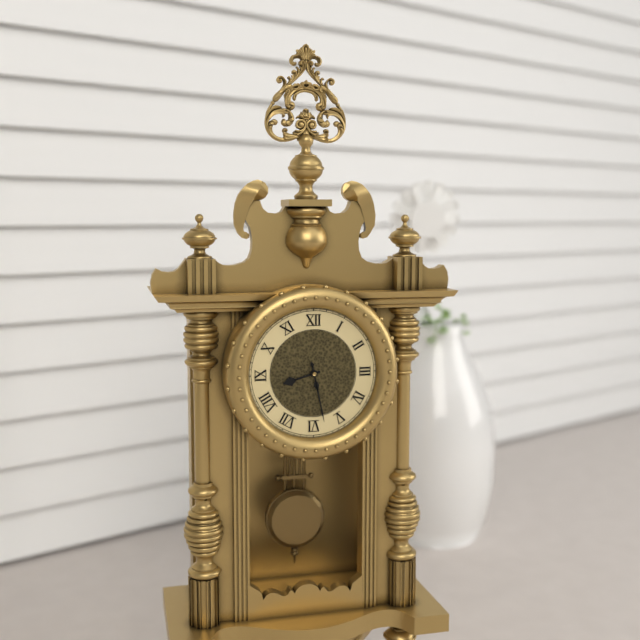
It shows 8.28
